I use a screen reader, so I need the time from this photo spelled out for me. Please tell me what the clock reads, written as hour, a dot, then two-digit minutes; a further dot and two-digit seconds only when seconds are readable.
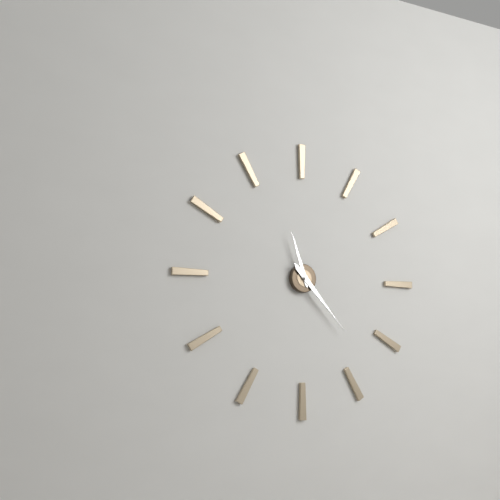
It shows 11.23
